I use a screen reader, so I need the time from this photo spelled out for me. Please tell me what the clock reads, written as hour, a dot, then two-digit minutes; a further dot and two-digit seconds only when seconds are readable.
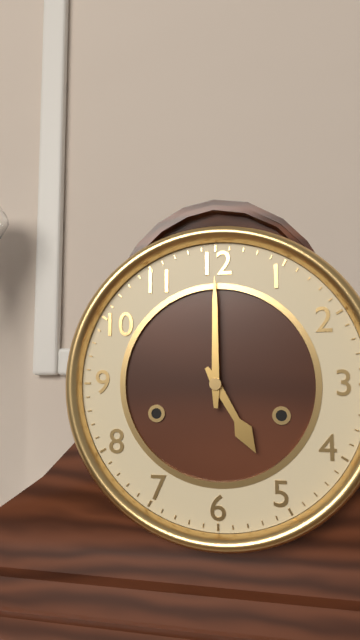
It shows 5.00
